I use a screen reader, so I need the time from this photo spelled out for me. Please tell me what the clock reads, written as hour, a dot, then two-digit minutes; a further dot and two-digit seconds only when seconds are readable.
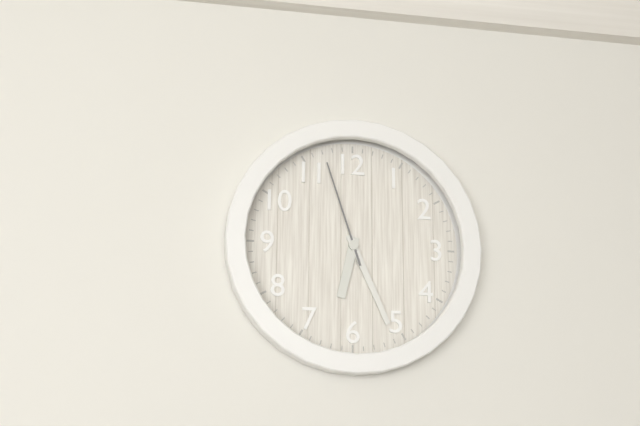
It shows 6.26.57
